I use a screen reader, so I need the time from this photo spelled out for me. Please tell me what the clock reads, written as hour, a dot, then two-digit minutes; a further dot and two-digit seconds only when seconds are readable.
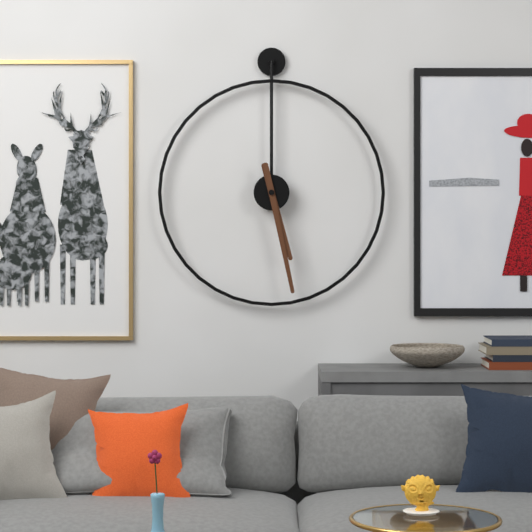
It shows 5.28
